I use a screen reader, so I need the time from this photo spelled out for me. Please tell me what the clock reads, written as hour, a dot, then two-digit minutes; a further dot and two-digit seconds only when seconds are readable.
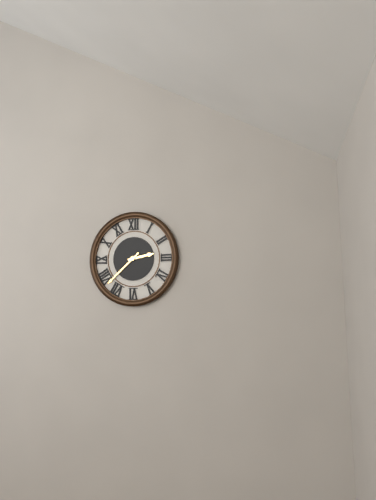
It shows 2.38
